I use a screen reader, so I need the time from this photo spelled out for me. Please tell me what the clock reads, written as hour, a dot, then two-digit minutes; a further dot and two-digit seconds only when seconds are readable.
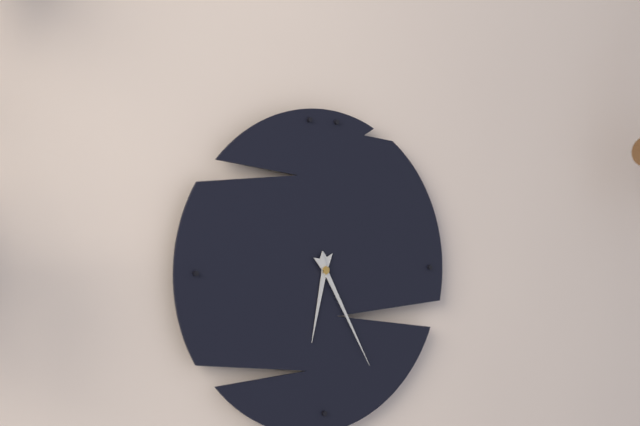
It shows 6.25
